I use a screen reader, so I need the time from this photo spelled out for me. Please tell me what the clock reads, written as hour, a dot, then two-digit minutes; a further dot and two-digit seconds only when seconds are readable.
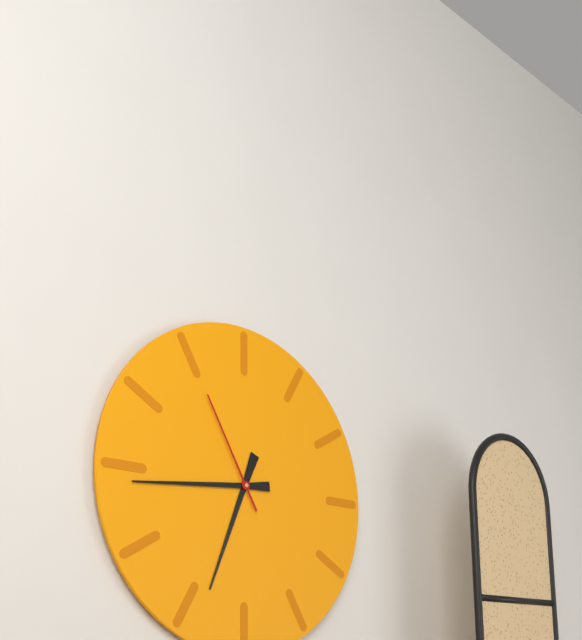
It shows 6.44.55
